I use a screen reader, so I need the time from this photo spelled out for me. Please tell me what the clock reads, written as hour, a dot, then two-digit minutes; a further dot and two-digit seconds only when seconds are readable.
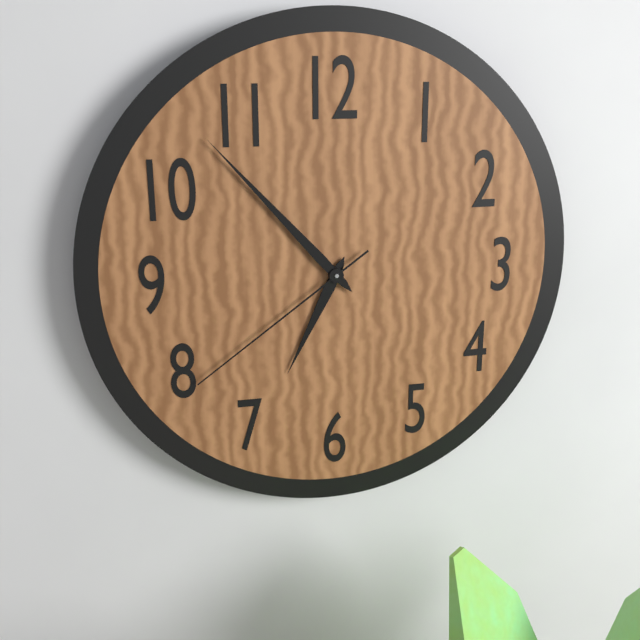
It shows 6.53.39
